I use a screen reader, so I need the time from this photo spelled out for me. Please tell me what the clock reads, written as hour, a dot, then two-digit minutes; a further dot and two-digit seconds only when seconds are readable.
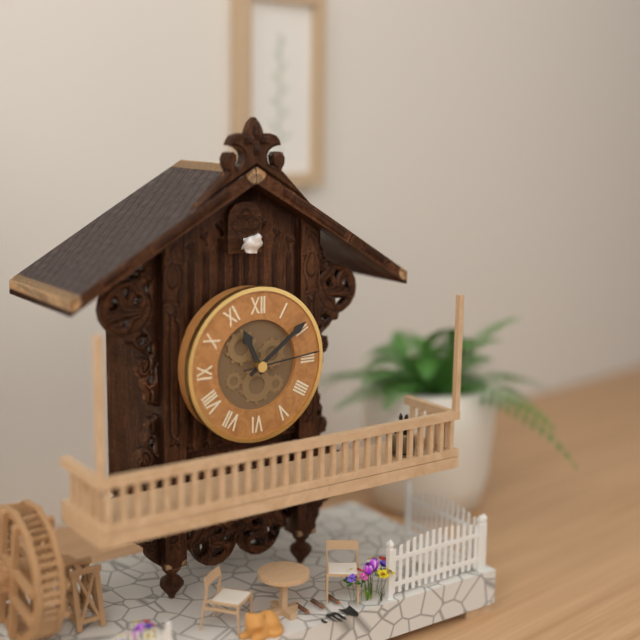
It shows 11.09.14
